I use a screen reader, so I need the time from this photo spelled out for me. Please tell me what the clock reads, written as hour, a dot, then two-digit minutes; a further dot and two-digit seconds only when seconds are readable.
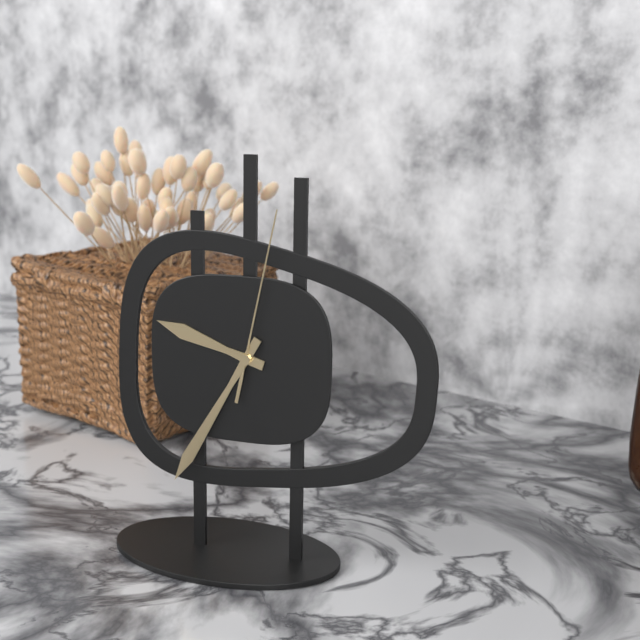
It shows 9.35.02
